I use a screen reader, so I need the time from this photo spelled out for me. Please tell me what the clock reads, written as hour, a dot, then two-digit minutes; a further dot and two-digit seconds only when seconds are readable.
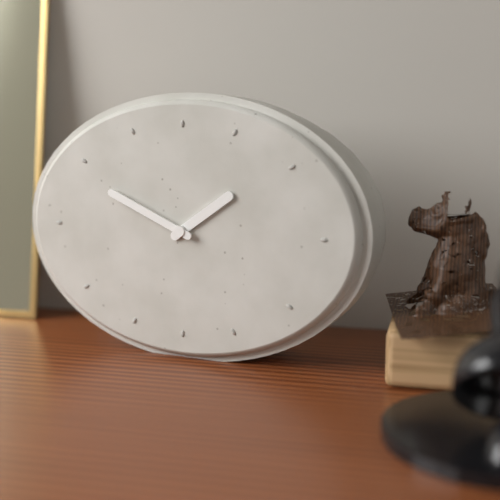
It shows 1.49
